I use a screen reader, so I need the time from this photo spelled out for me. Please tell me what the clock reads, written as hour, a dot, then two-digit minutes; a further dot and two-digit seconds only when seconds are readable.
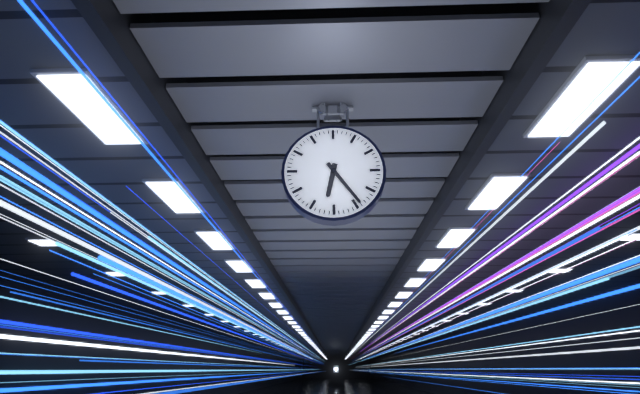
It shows 6.24
